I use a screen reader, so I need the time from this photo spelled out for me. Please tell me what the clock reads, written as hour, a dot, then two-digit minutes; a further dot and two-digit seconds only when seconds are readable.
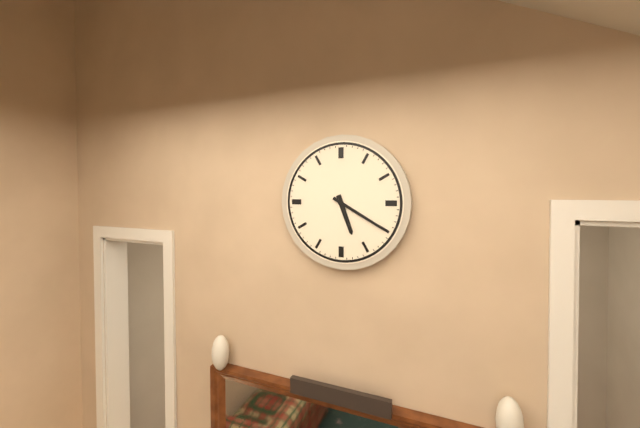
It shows 5.20
